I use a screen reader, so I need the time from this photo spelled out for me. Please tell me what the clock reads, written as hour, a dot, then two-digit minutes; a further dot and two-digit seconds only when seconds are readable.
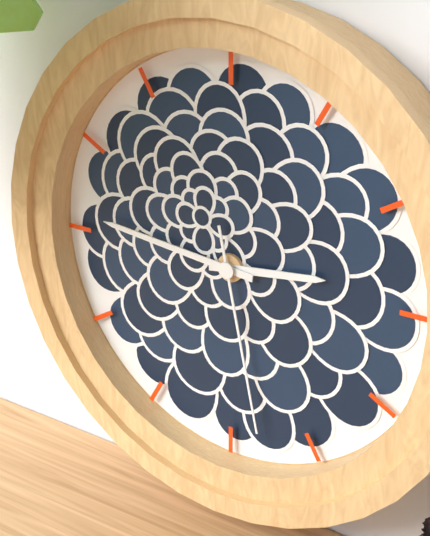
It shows 2.46.28
